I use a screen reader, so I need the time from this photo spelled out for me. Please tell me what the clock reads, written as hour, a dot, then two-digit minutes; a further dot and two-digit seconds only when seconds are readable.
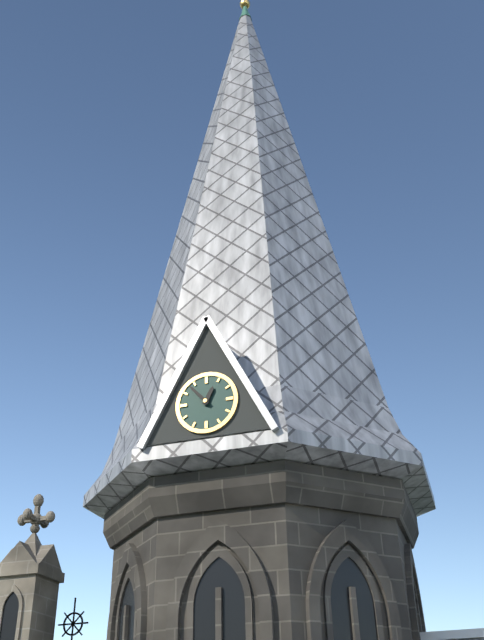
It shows 12.53
